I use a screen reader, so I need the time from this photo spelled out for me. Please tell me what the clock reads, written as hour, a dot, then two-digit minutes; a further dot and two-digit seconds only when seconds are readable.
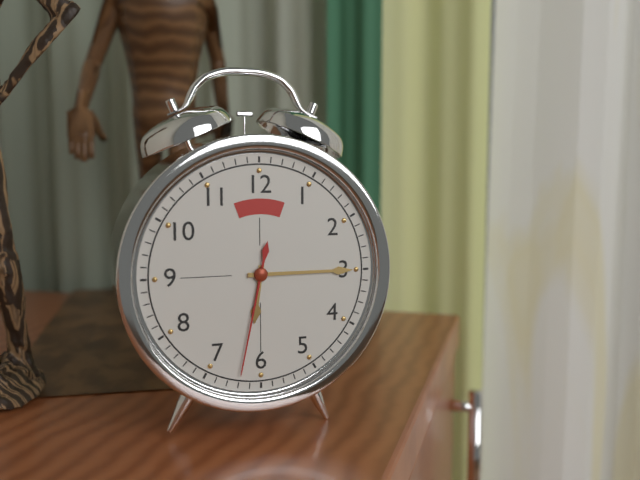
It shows 6.15.32
